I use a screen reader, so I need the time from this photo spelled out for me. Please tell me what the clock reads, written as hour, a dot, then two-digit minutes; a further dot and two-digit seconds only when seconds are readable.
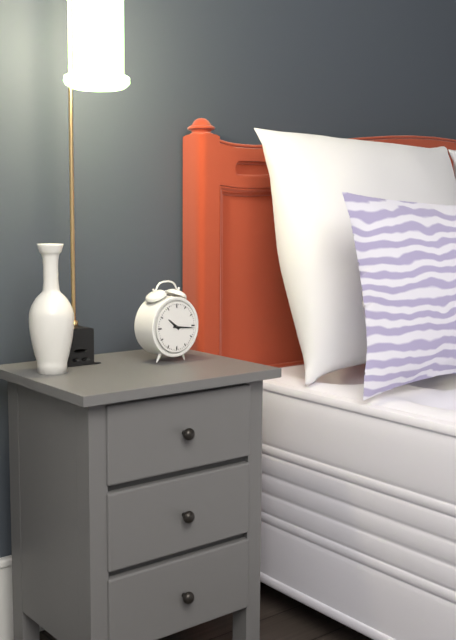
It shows 10.16
